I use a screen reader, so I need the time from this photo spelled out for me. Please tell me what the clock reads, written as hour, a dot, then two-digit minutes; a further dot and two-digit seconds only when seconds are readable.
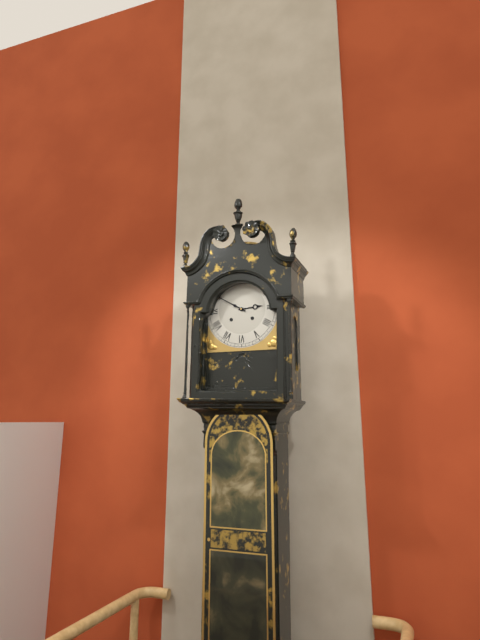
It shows 2.50
